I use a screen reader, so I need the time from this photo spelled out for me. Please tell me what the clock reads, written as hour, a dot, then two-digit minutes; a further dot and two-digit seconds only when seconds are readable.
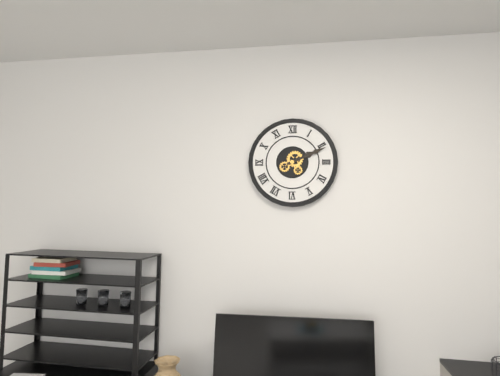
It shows 2.11
